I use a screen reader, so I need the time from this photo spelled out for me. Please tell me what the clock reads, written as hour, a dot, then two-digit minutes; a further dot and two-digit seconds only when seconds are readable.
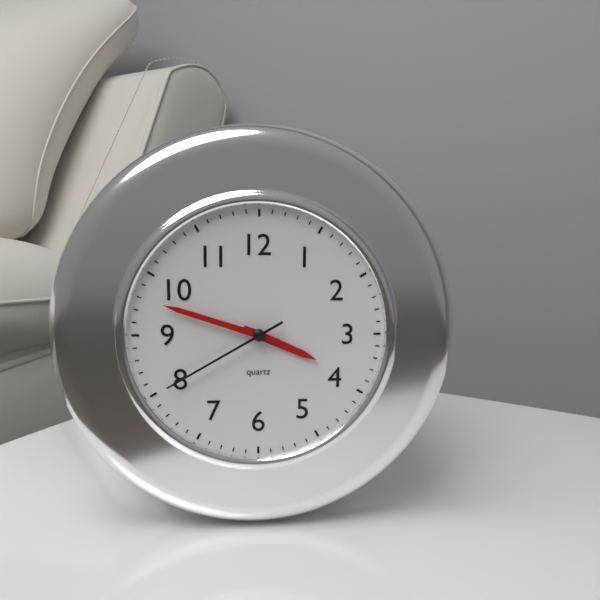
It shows 3.48.40
